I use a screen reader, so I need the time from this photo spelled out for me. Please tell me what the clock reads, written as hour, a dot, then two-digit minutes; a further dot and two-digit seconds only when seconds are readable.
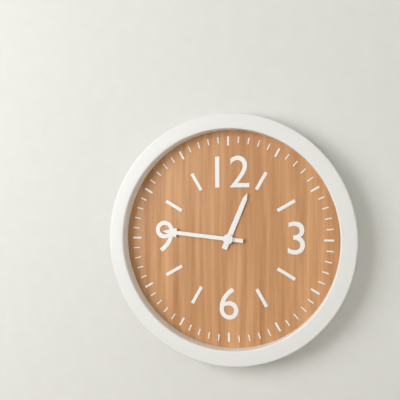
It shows 12.46
